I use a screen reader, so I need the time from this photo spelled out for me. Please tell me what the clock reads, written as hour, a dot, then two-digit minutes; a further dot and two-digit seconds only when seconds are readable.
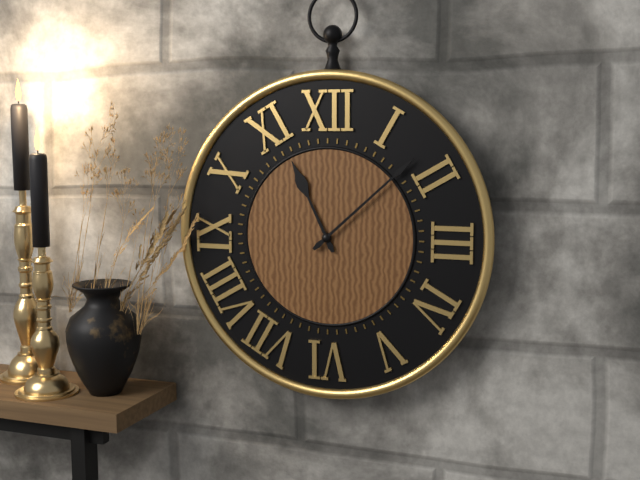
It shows 11.08
